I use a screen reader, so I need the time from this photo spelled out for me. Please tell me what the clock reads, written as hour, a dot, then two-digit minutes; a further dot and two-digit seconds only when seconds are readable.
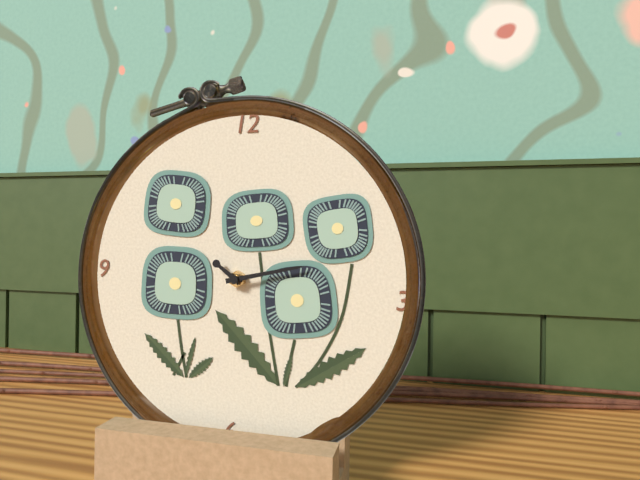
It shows 10.13
